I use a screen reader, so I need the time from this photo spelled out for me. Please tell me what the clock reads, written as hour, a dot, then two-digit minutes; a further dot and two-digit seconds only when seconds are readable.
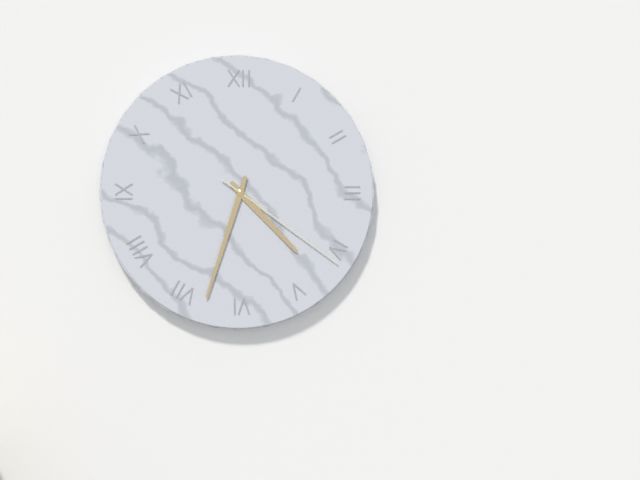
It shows 4.33.21
